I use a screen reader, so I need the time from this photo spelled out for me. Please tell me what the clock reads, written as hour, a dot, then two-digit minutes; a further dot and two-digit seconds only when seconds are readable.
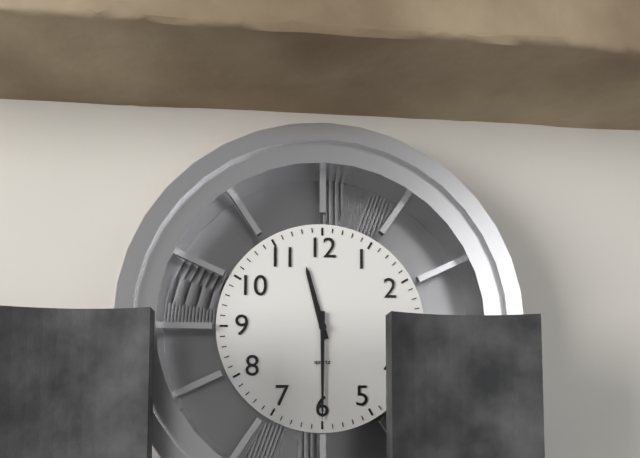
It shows 11.30
